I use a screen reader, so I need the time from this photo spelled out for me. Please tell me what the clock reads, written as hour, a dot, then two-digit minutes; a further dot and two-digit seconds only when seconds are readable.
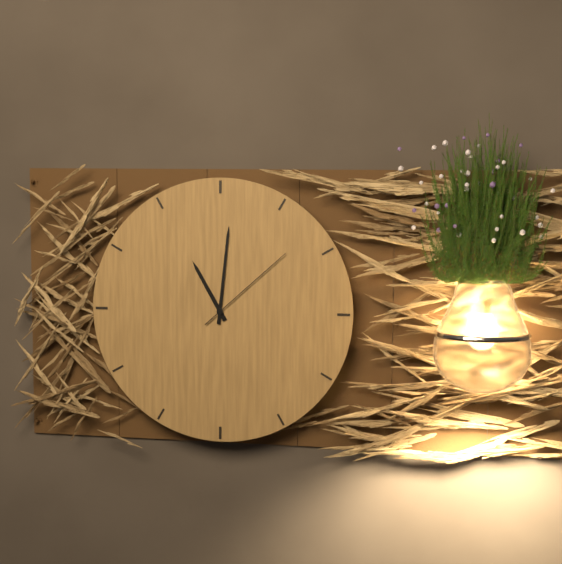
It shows 11.01.08
